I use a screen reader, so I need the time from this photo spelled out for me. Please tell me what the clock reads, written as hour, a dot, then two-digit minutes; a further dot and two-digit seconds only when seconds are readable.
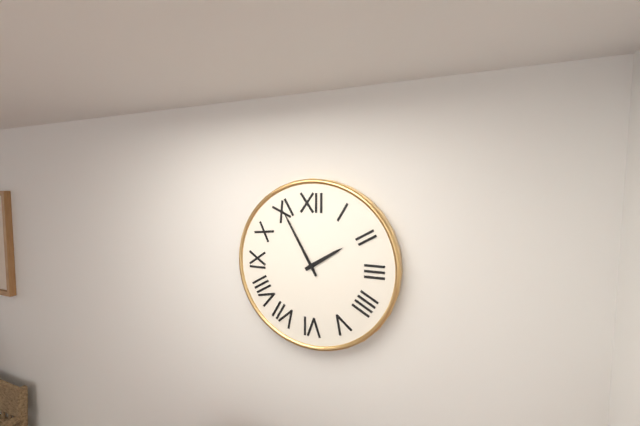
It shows 1.55
